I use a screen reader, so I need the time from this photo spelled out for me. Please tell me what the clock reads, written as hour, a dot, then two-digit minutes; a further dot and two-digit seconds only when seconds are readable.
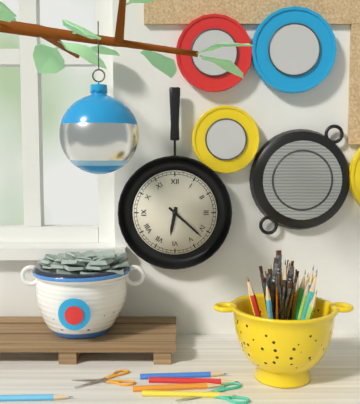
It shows 6.22
